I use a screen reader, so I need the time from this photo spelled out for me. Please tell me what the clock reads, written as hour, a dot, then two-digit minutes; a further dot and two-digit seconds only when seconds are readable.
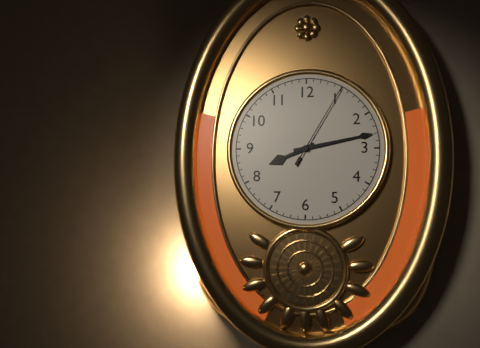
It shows 8.13.05
